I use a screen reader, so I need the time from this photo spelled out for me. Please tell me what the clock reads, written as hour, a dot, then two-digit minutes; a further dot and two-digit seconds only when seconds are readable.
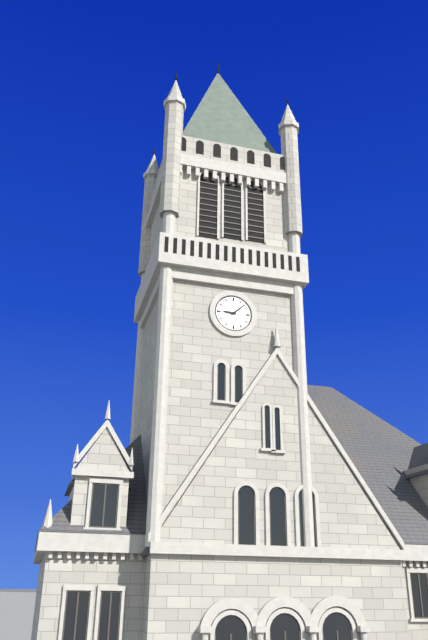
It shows 9.08
